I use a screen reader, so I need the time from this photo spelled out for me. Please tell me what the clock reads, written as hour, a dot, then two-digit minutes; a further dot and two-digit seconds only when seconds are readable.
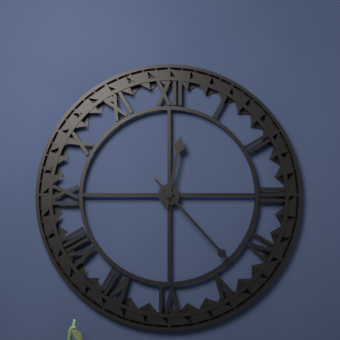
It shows 12.23
